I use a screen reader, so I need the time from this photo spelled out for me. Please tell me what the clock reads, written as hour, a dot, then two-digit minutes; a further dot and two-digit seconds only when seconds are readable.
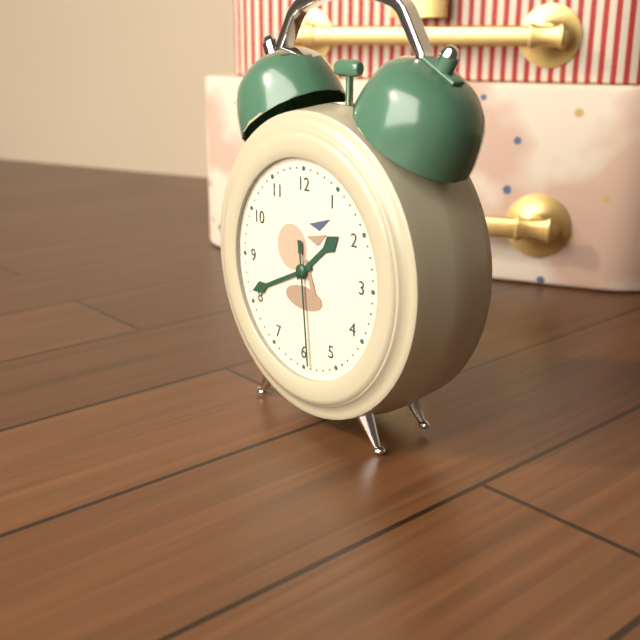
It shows 1.41.29
